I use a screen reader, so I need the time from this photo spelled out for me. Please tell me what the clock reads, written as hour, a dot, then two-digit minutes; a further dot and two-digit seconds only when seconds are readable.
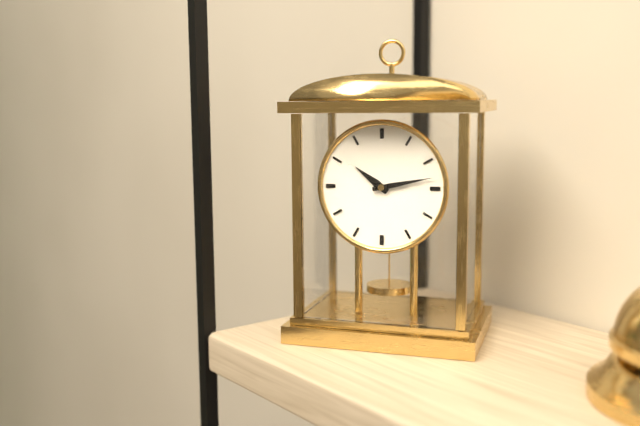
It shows 10.13
